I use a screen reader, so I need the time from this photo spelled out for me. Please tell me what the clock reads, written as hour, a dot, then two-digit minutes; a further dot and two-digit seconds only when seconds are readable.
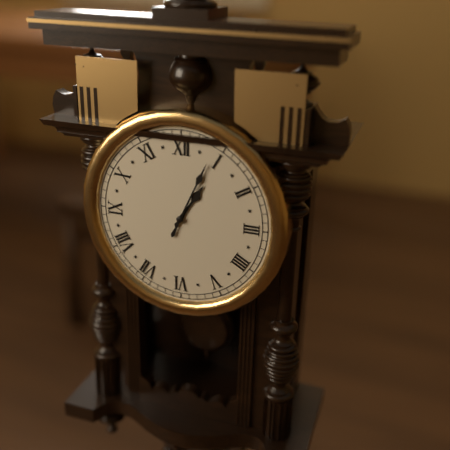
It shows 1.04
